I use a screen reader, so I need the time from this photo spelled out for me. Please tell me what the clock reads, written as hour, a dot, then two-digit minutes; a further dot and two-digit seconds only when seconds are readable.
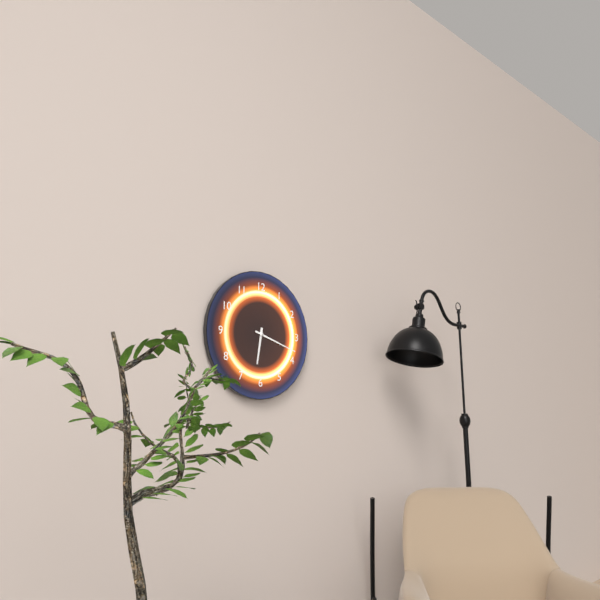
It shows 6.18
